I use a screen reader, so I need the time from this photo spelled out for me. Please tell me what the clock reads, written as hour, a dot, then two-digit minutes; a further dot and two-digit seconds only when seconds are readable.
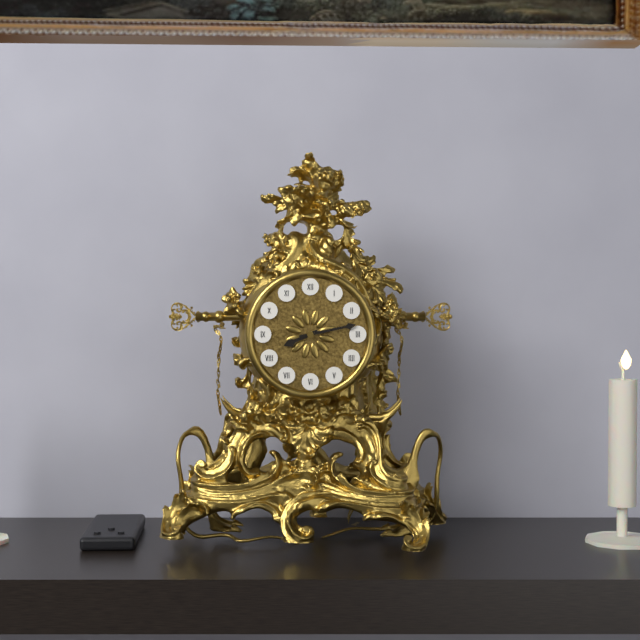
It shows 8.13
